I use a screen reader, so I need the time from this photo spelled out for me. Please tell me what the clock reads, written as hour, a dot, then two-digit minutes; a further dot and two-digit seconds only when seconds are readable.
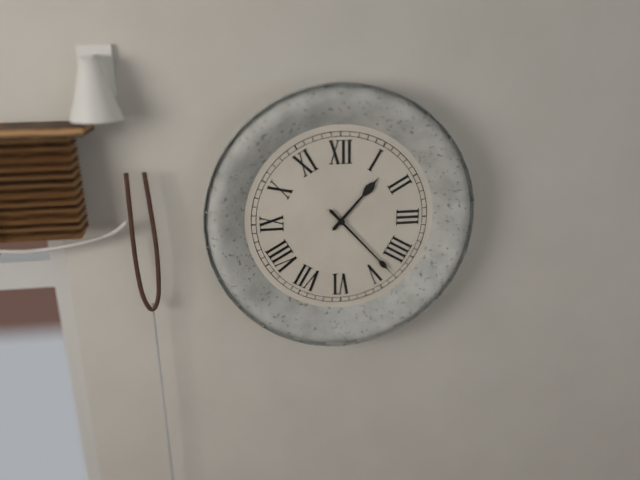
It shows 1.23
